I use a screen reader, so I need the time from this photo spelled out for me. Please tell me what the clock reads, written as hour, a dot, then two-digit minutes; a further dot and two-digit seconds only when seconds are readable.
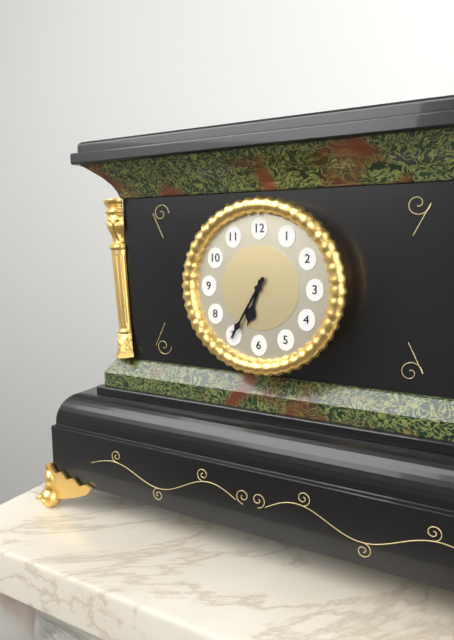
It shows 6.35
